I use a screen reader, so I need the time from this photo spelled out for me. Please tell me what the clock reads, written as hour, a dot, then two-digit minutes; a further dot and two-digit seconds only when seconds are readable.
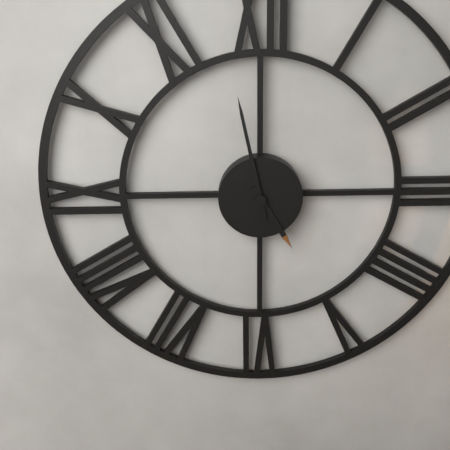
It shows 4.58
